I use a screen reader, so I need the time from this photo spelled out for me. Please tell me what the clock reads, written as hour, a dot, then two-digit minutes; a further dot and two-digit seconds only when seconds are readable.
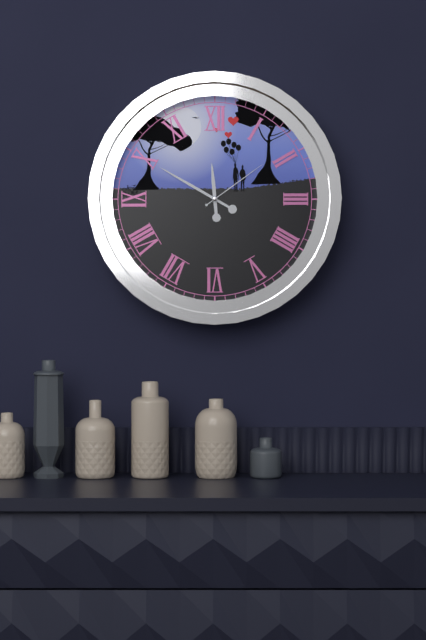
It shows 11.50.09
